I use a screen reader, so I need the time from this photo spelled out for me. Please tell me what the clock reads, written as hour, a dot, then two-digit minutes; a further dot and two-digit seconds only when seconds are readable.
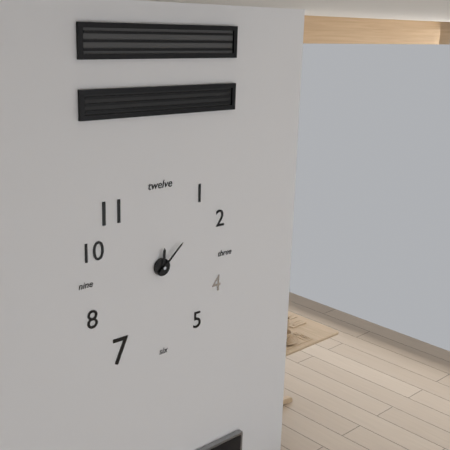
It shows 12.08
